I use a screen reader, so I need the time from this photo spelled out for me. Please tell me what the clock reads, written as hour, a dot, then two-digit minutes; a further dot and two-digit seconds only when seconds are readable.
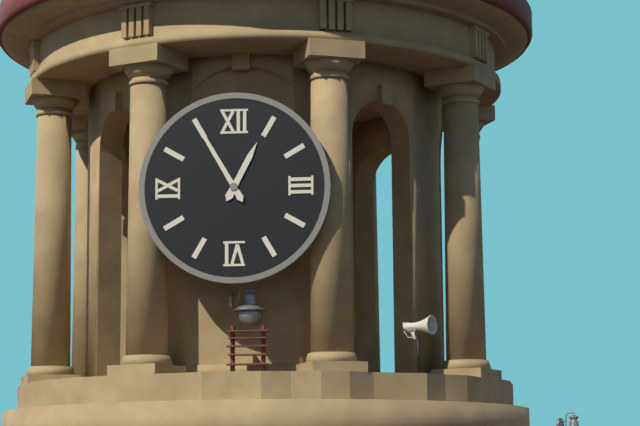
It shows 12.55
